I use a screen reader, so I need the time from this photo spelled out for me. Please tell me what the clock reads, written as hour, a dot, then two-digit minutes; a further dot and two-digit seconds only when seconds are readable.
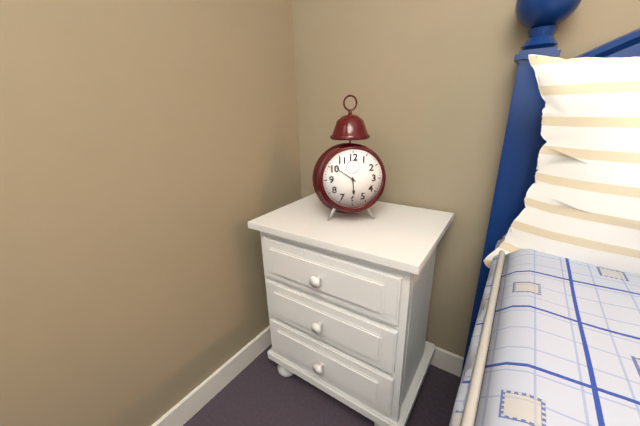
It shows 5.51
